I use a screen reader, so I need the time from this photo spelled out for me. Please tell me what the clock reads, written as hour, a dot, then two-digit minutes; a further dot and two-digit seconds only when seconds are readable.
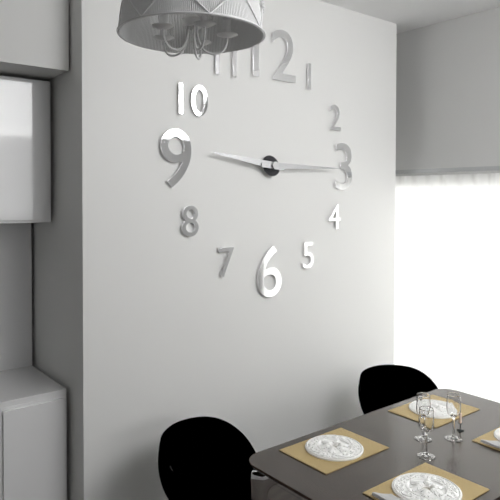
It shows 9.15
